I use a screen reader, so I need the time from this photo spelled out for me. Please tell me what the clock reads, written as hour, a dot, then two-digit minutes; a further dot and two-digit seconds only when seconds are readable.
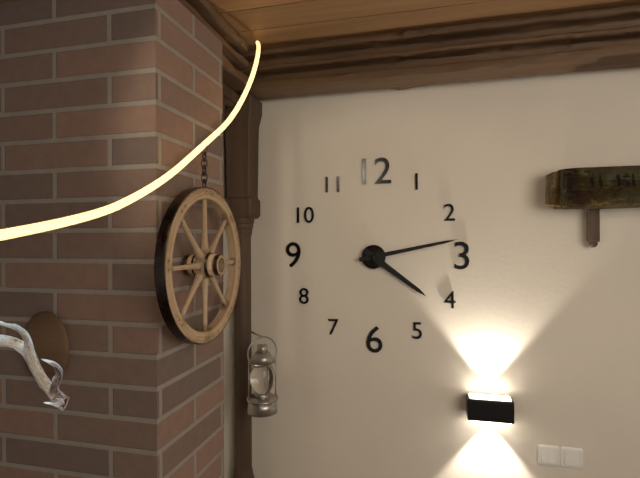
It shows 4.13
